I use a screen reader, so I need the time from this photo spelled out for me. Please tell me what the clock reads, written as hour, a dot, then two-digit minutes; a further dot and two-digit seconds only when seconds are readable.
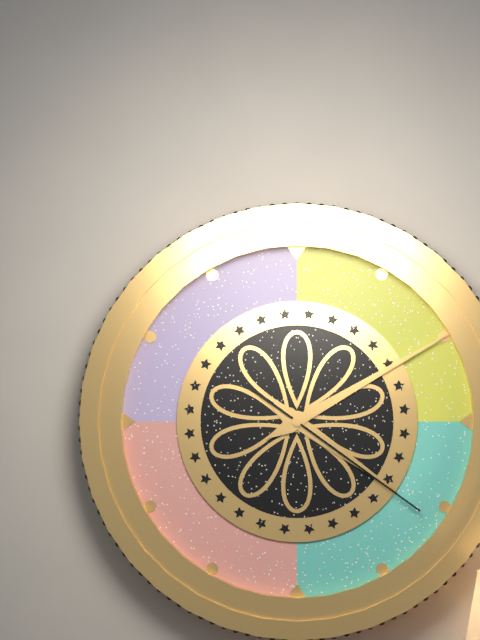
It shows 4.10.21
